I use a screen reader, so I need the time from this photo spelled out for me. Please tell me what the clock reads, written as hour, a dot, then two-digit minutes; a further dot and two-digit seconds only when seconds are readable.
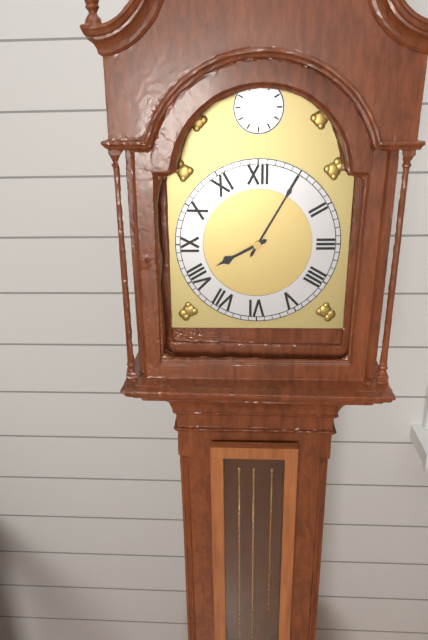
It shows 8.05
